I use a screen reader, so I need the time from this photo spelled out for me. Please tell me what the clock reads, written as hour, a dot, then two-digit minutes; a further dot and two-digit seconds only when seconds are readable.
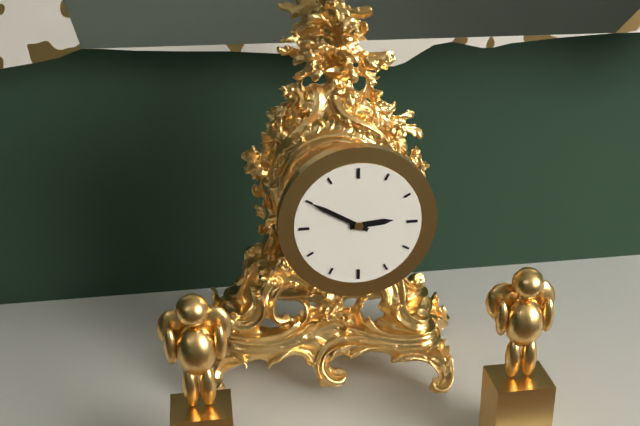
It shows 2.50
